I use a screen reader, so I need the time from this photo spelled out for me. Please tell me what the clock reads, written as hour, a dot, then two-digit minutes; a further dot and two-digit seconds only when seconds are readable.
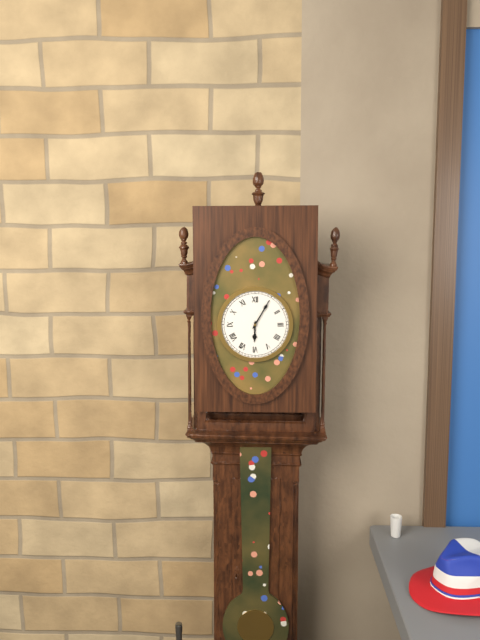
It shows 6.05
